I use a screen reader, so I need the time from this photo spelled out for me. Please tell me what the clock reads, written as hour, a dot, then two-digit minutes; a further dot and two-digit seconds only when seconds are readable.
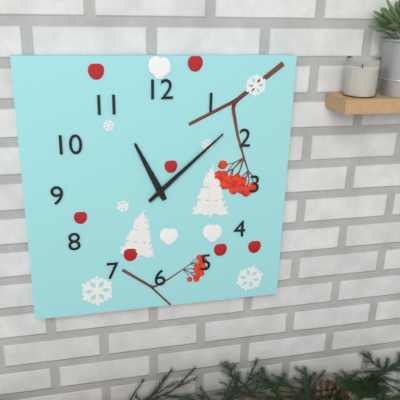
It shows 11.08
